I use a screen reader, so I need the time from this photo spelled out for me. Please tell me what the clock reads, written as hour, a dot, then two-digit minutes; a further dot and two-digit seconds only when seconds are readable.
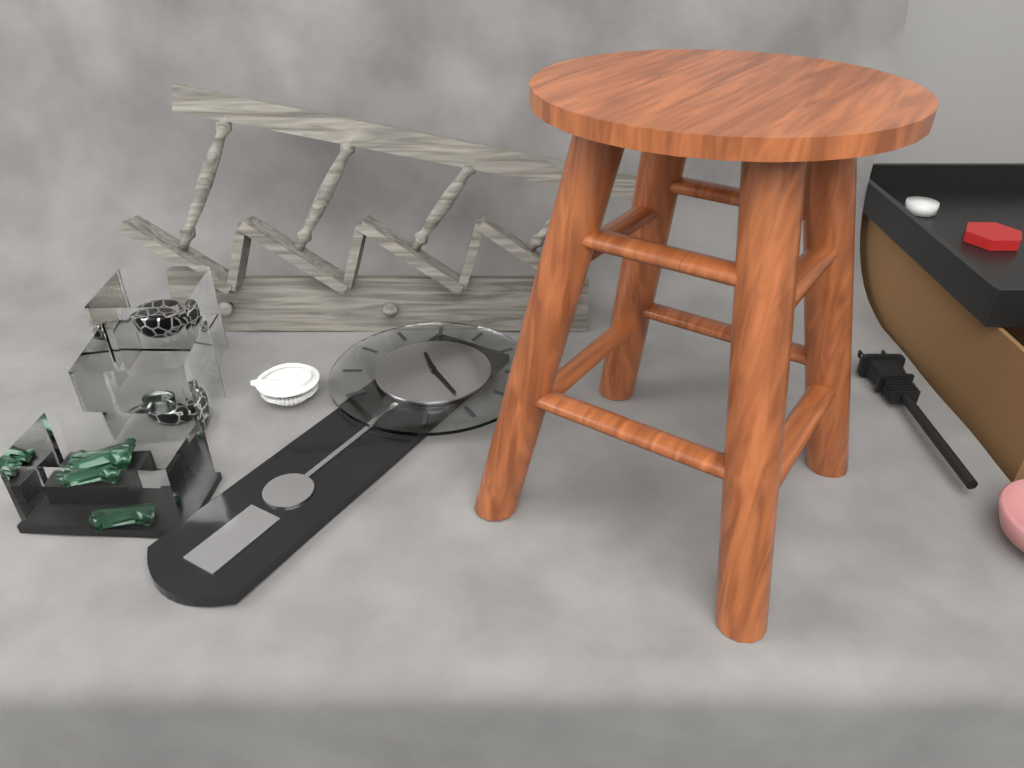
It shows 10.20
